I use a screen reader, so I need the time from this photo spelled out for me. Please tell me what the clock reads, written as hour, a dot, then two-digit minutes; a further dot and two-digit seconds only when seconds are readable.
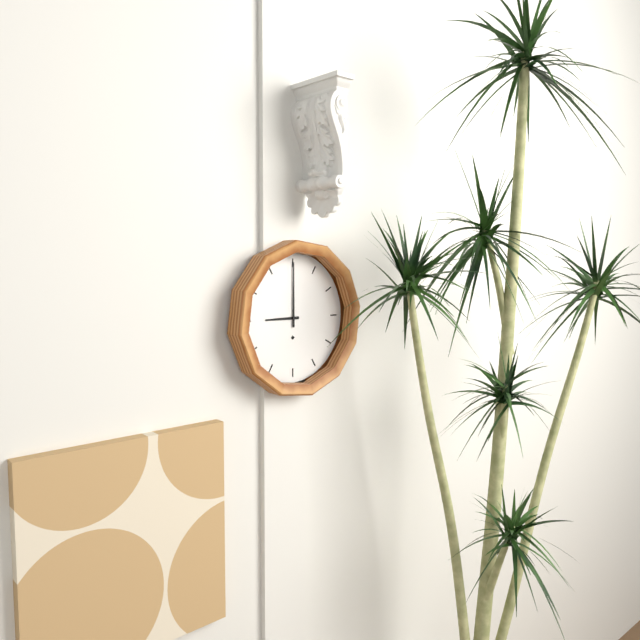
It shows 9.00
